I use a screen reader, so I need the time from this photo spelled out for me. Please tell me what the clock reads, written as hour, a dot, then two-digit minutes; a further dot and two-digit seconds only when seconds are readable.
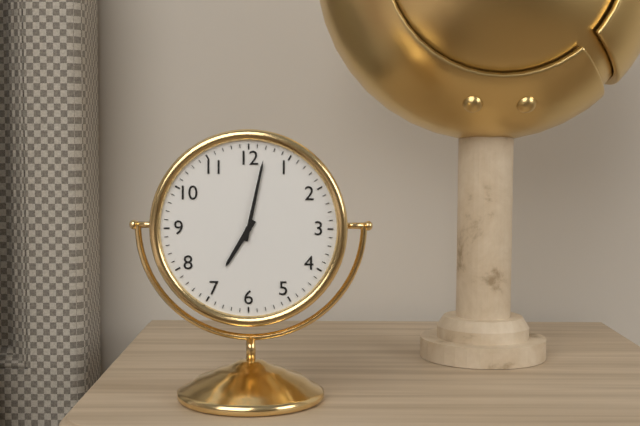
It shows 7.02
